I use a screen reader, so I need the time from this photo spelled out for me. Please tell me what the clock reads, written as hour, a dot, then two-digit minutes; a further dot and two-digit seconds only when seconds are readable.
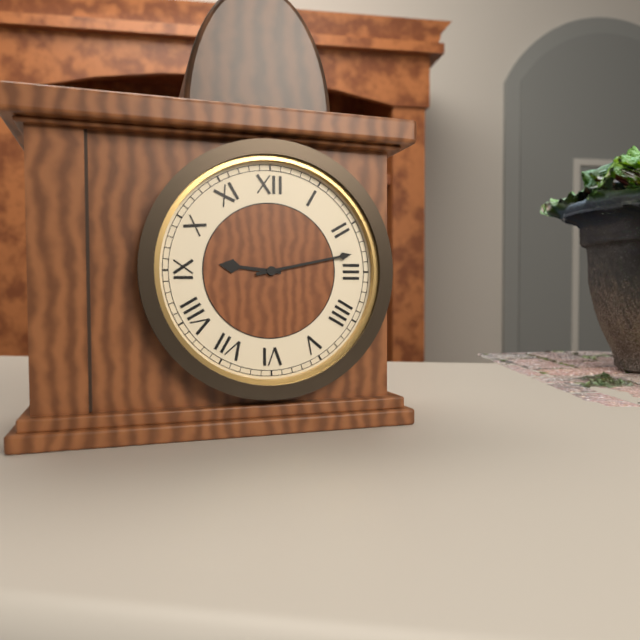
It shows 9.13
